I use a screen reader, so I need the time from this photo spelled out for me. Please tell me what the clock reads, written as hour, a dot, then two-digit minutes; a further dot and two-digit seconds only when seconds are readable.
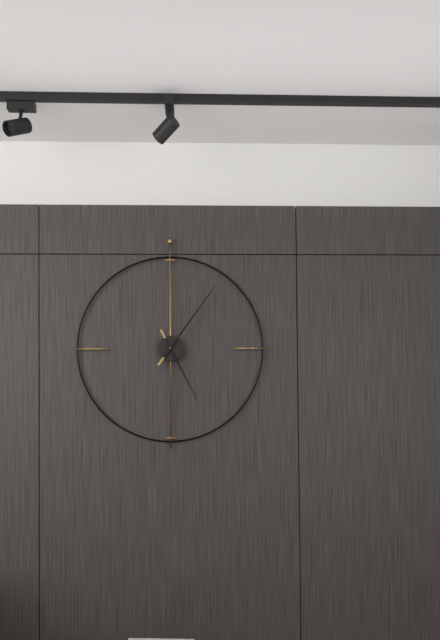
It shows 5.06
